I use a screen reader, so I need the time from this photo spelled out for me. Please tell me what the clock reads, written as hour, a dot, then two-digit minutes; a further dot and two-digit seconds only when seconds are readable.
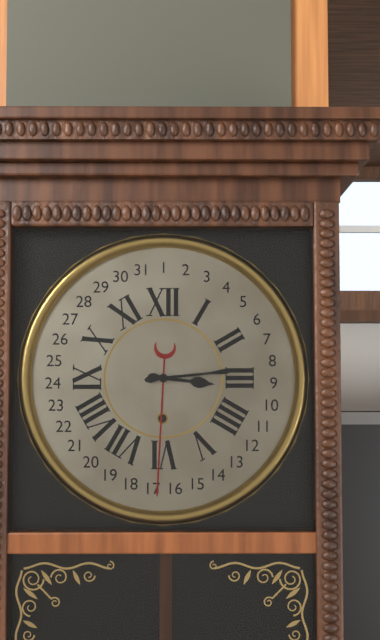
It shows 3.14
